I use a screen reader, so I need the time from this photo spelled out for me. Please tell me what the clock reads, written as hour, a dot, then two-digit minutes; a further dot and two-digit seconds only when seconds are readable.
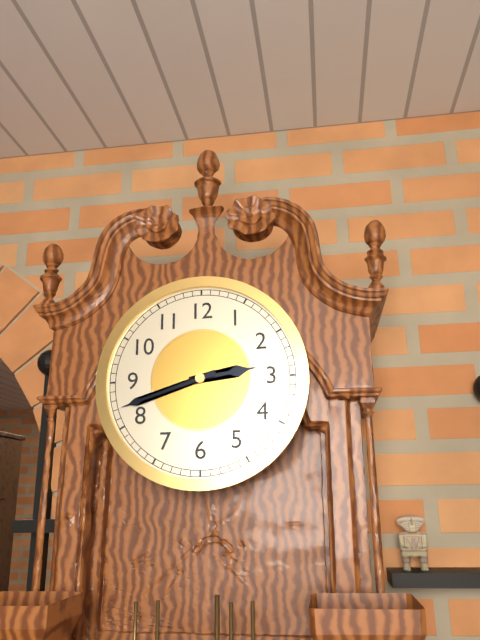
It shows 2.42
